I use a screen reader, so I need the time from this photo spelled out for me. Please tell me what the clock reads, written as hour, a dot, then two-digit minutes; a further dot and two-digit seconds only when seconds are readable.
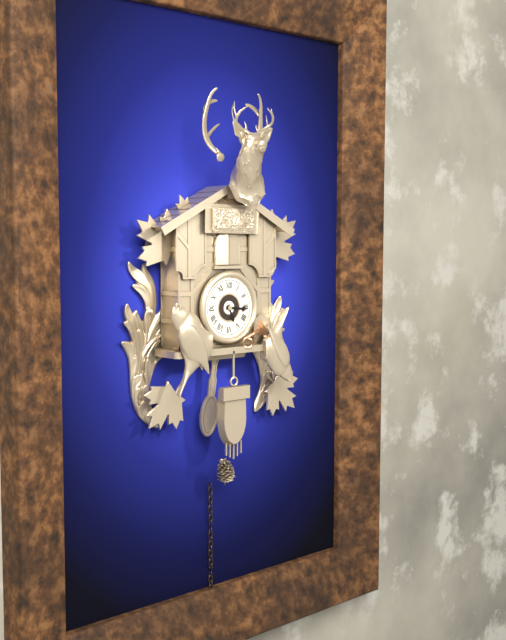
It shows 5.16
